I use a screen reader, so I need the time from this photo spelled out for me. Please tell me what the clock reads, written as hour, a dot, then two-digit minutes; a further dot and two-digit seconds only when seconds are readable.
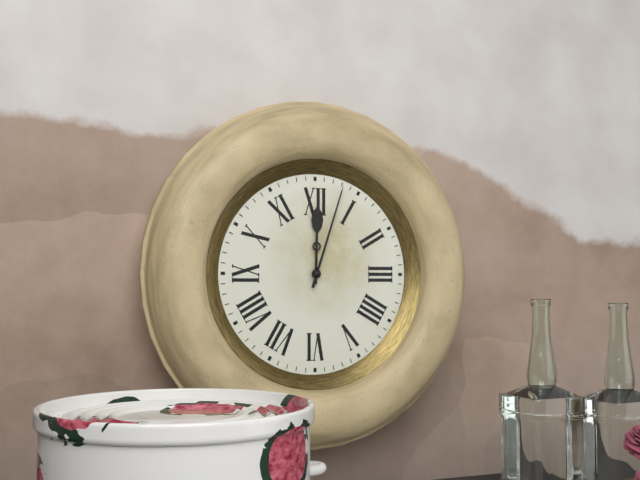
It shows 12.03
